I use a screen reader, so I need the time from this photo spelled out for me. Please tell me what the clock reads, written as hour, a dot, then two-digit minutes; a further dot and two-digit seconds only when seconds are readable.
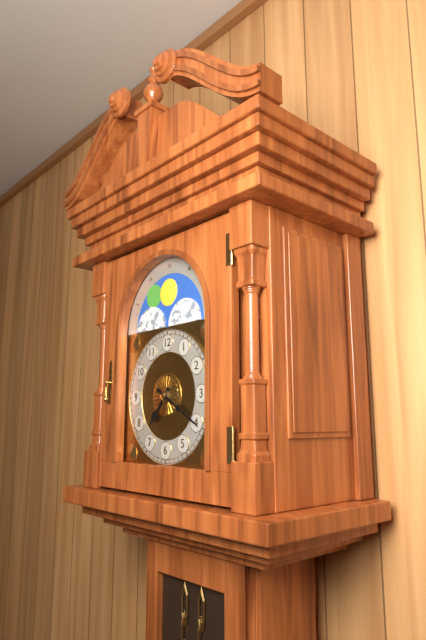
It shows 7.20
